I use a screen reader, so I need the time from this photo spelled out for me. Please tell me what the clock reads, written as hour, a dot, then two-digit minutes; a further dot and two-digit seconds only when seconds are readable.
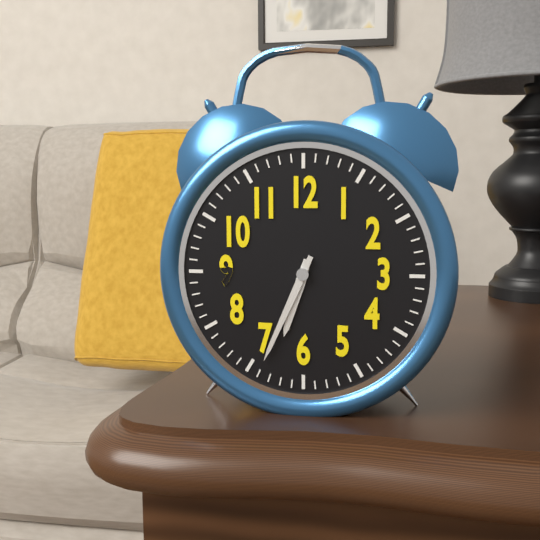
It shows 6.34
